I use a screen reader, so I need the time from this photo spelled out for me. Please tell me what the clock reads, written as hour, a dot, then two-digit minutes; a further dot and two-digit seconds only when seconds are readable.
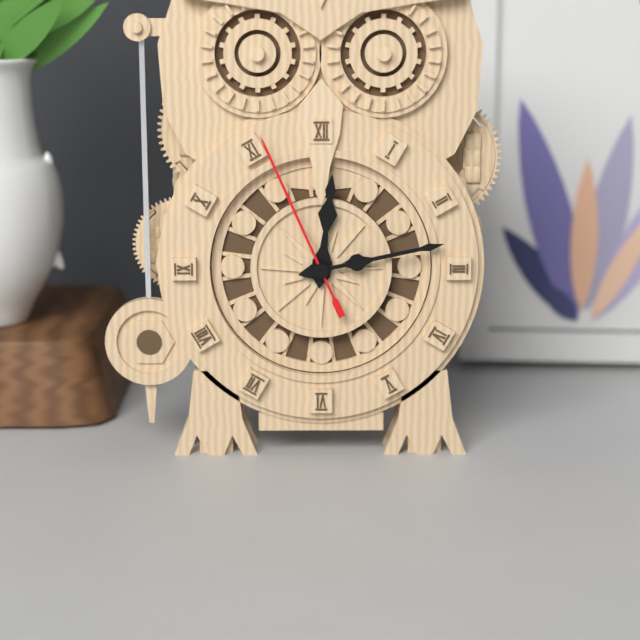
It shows 12.13.56
